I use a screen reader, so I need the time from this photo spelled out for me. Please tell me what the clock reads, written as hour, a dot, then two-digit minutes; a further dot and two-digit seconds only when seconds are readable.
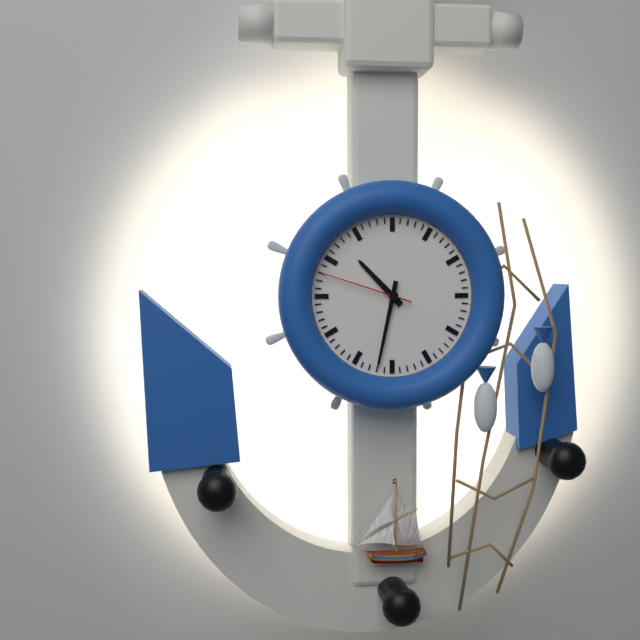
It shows 10.32.48
